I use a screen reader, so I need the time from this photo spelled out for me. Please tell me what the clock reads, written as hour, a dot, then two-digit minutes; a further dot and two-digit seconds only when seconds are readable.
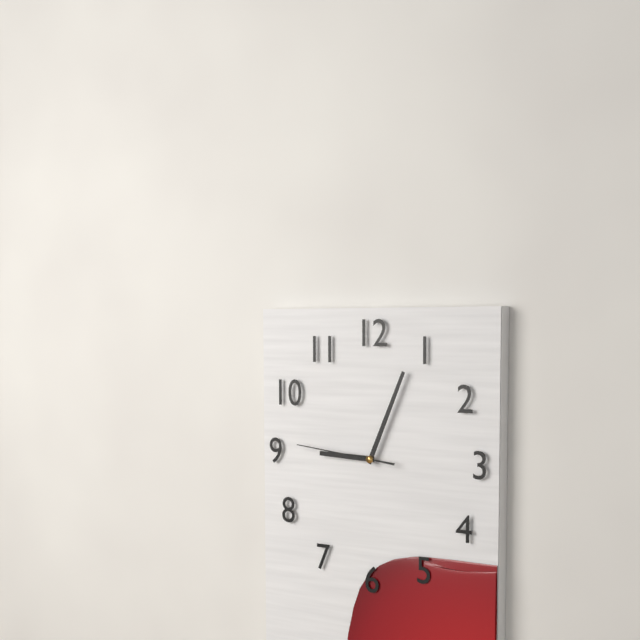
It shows 9.04.46
